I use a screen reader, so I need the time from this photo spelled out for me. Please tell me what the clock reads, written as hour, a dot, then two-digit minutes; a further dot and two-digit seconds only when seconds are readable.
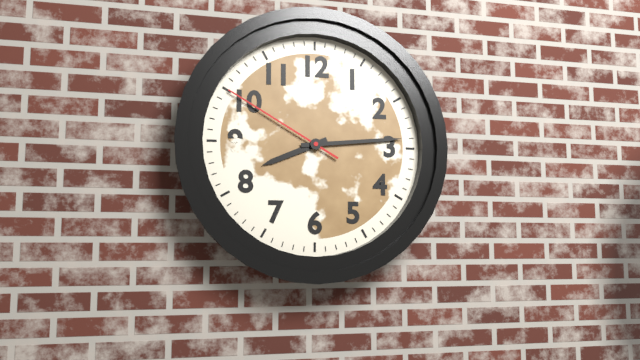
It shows 8.14.50
